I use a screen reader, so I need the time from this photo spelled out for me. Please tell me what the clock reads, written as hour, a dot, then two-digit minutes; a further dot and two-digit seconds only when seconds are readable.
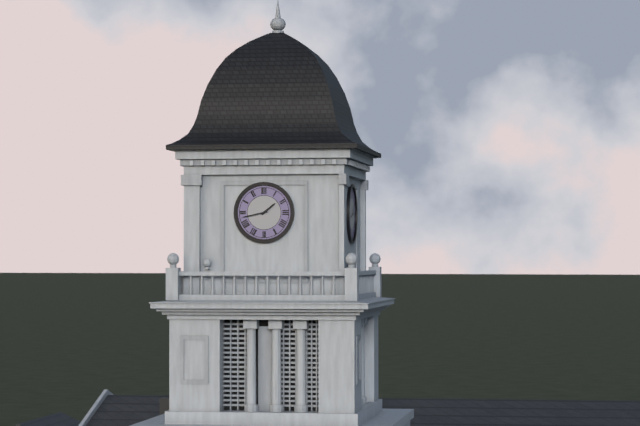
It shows 1.43
